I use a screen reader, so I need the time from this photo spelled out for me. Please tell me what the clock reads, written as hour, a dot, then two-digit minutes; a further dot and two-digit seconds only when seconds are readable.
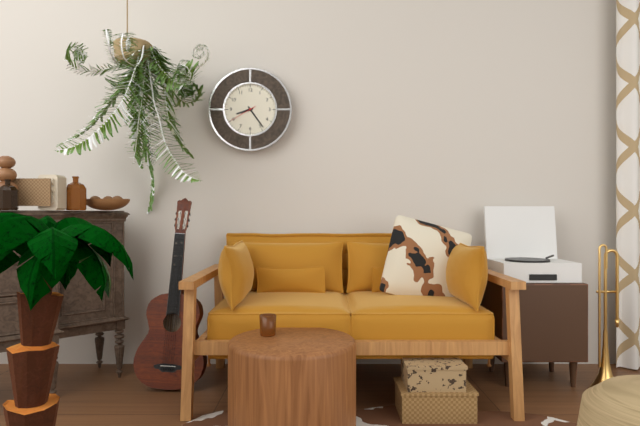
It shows 8.24
